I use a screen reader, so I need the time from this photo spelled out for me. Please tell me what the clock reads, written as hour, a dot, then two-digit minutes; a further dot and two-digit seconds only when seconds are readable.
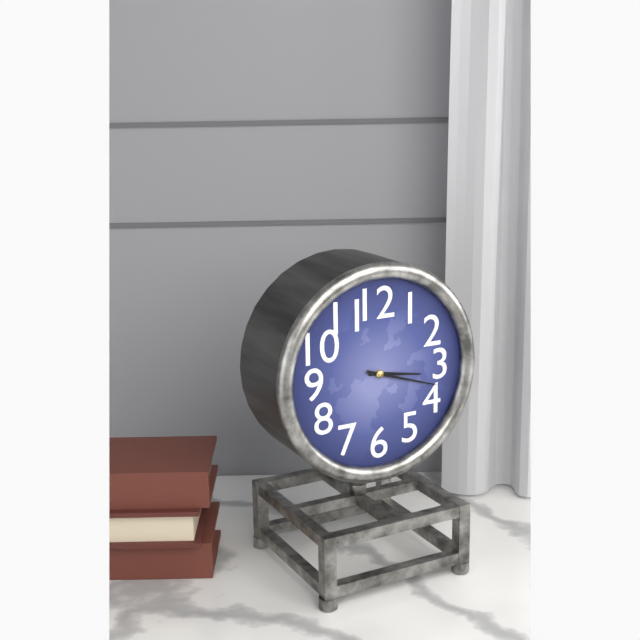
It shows 3.18
